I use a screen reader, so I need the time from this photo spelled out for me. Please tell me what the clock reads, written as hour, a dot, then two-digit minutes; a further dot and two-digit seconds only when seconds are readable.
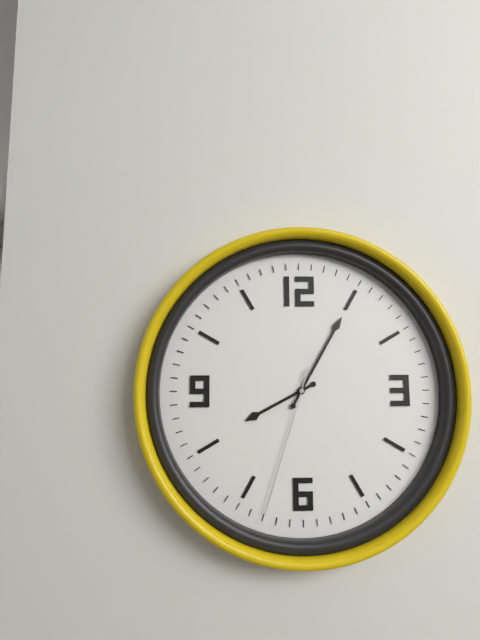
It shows 8.05.33
